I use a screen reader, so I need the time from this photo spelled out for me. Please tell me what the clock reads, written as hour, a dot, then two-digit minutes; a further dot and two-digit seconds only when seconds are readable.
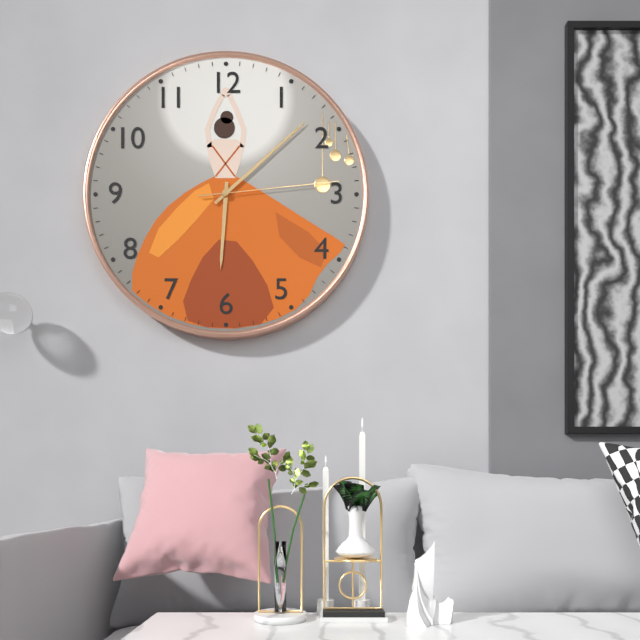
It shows 6.08.14
